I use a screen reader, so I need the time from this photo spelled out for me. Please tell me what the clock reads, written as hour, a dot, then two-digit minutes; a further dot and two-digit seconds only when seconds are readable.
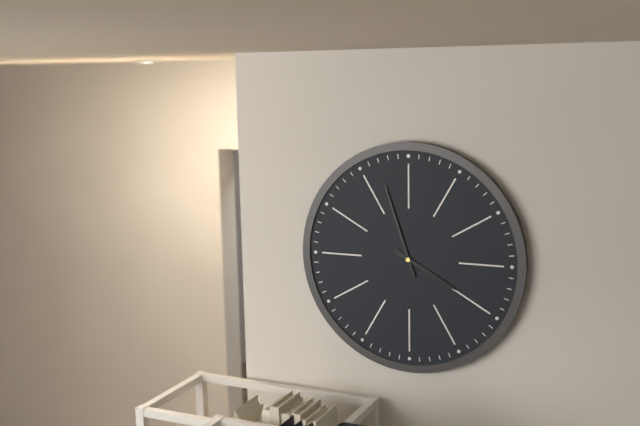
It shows 3.57
